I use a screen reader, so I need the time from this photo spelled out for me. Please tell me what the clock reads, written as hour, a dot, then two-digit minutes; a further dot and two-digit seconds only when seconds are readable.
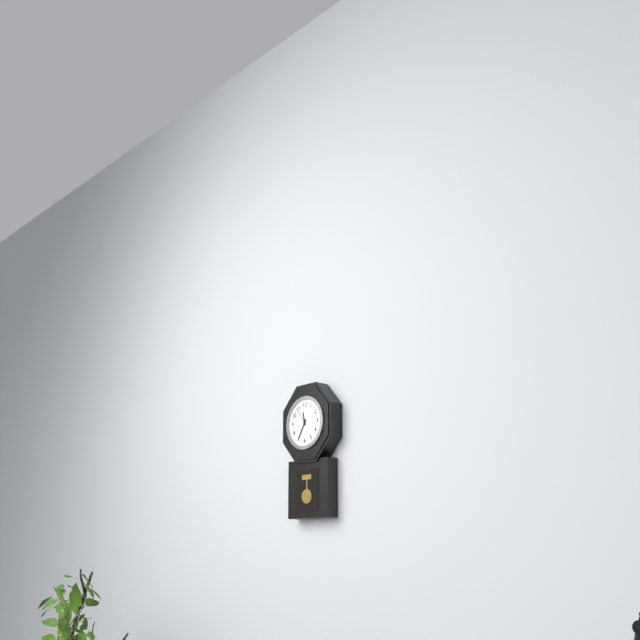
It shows 11.35
